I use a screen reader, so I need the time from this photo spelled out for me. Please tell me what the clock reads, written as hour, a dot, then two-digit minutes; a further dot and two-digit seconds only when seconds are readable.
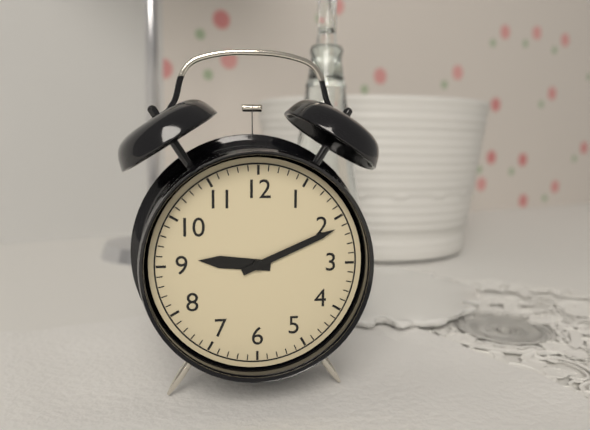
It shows 9.11
